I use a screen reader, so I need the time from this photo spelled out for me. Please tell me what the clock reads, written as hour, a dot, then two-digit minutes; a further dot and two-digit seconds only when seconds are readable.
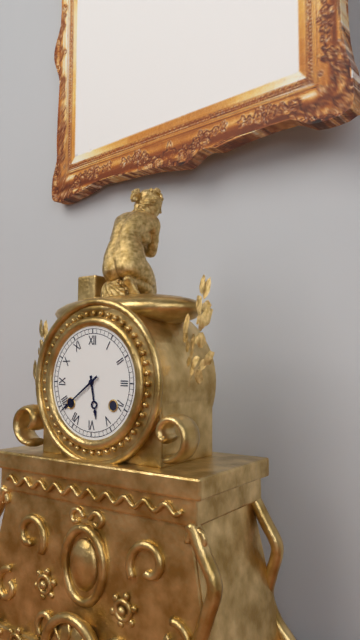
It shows 5.39
